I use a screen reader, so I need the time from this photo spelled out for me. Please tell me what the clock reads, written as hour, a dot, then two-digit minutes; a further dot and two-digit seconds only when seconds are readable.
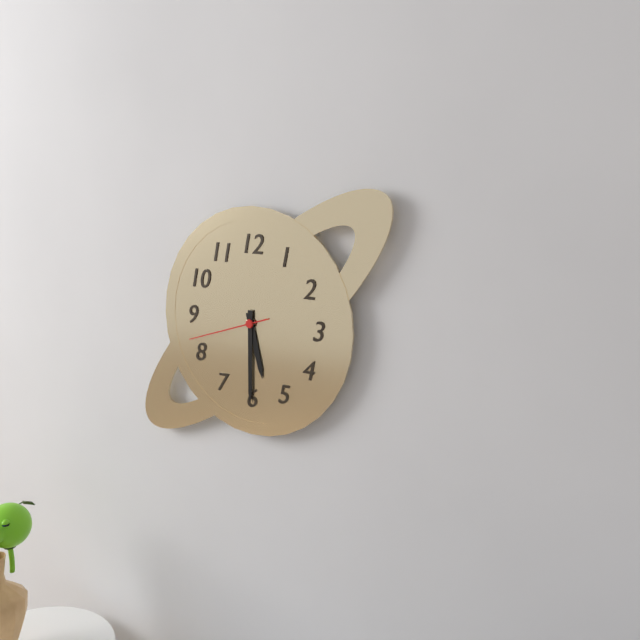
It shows 5.30.42
